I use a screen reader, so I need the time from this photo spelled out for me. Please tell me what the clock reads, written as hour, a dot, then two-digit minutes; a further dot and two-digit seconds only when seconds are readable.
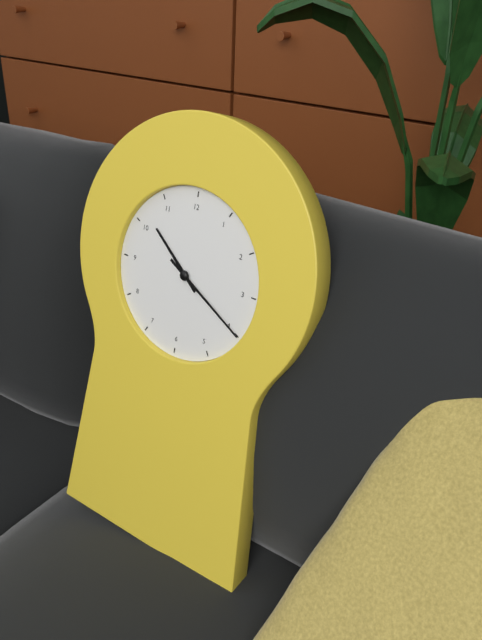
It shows 10.20
